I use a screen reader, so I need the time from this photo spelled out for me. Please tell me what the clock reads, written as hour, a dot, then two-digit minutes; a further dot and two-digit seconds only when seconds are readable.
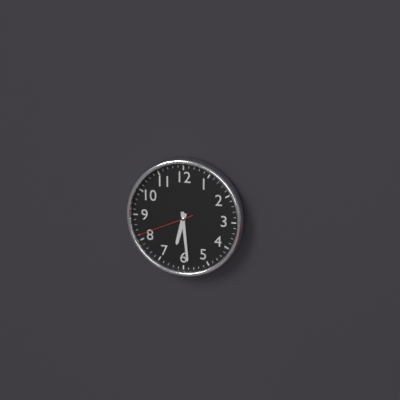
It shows 6.29.41
